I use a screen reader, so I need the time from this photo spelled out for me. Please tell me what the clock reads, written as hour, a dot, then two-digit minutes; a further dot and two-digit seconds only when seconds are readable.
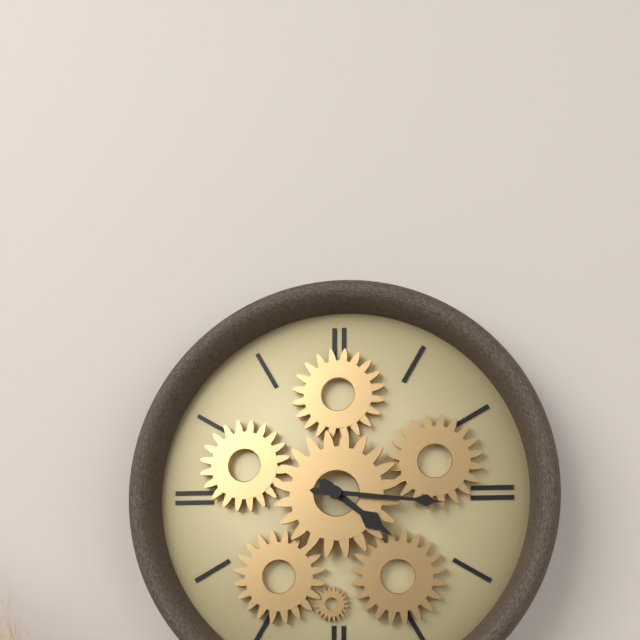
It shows 4.16
